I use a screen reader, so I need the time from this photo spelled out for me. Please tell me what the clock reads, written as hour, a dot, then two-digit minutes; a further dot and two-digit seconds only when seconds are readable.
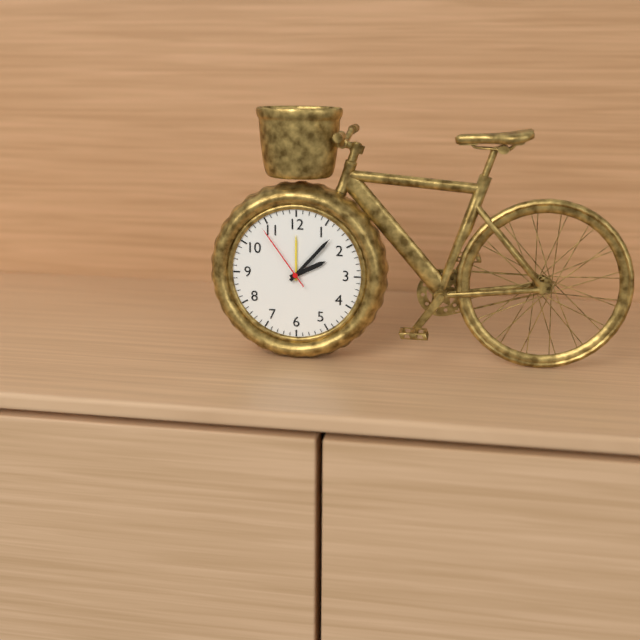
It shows 2.07.54
